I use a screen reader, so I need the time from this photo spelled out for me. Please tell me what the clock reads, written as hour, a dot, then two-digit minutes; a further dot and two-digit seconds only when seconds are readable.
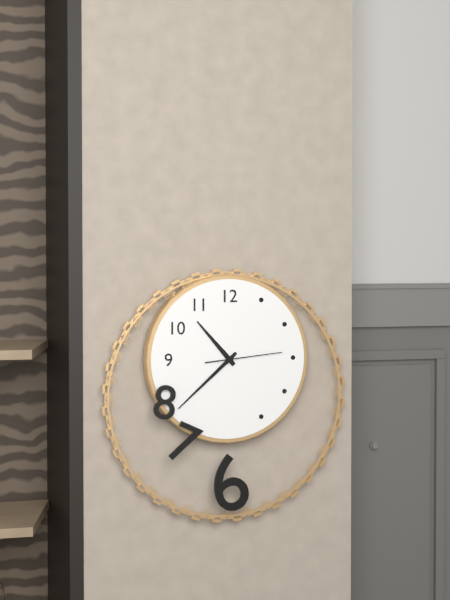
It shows 10.38.14
